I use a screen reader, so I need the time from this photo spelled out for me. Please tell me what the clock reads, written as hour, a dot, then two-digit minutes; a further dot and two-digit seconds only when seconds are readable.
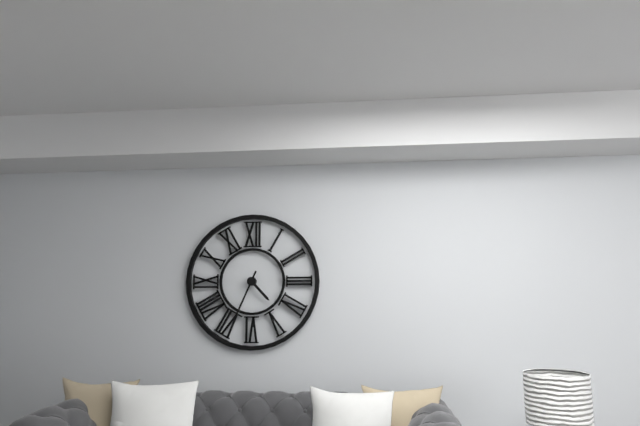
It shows 4.34
